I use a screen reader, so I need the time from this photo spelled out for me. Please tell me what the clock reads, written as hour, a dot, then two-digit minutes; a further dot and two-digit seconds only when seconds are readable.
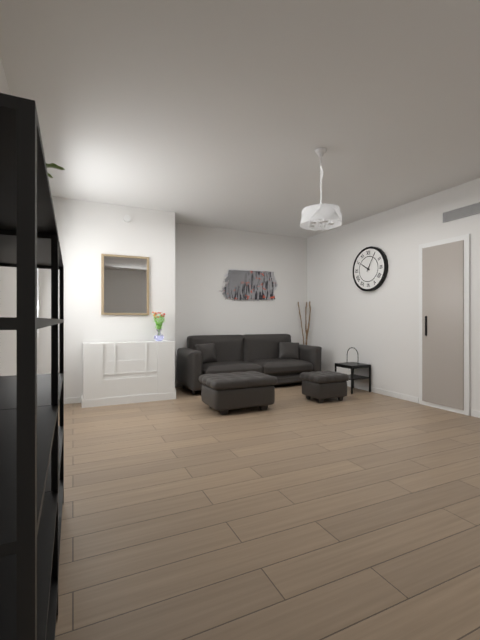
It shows 10.05
